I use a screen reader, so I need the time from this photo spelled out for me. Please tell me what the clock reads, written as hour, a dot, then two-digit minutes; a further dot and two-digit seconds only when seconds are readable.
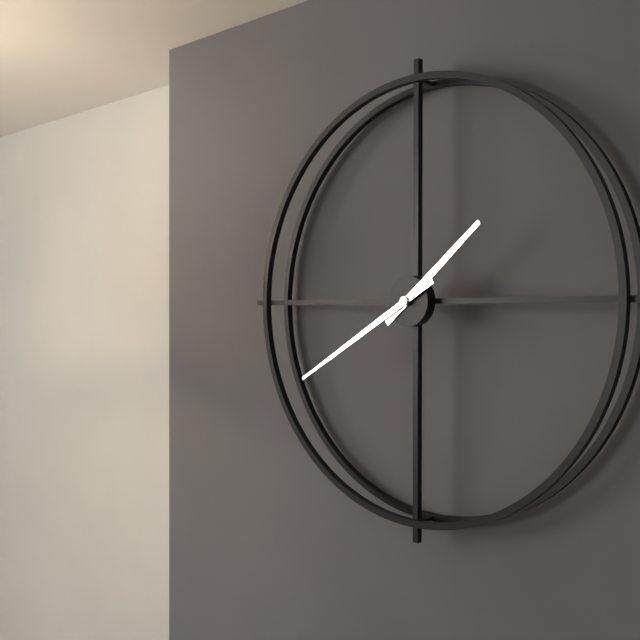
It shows 1.40
